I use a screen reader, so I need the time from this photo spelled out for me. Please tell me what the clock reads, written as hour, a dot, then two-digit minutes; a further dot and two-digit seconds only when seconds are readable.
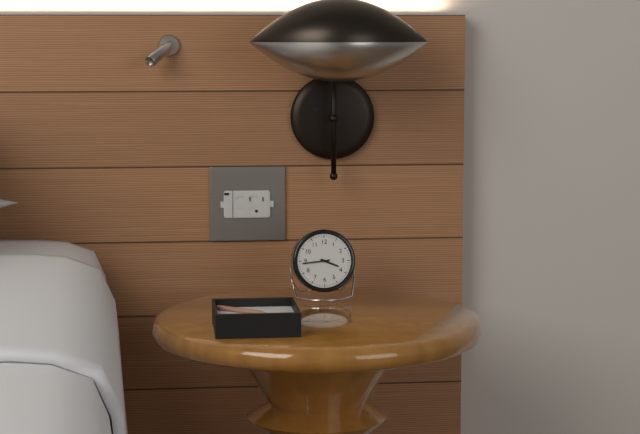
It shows 3.44
